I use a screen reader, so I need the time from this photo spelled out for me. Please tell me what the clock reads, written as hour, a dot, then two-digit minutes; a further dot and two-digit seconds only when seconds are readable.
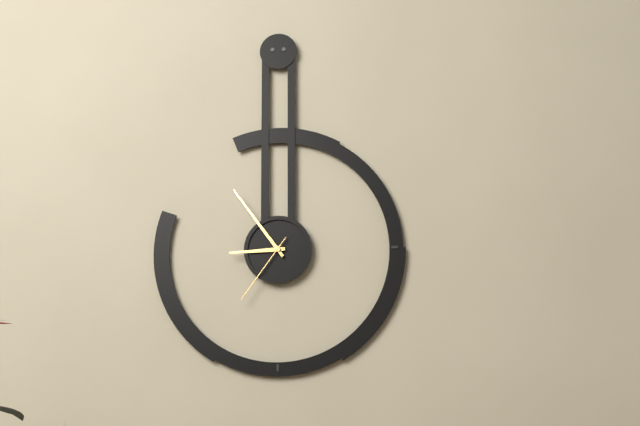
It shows 8.54.36
